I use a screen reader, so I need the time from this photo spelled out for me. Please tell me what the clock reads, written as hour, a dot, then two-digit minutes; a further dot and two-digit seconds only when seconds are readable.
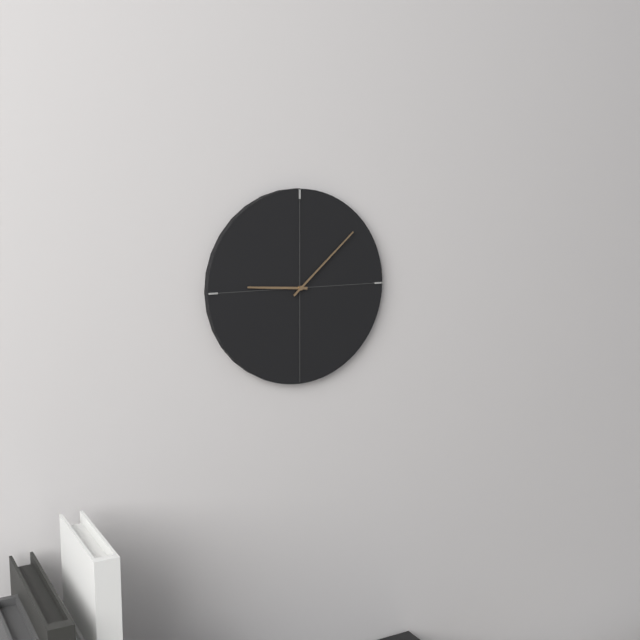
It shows 9.08
